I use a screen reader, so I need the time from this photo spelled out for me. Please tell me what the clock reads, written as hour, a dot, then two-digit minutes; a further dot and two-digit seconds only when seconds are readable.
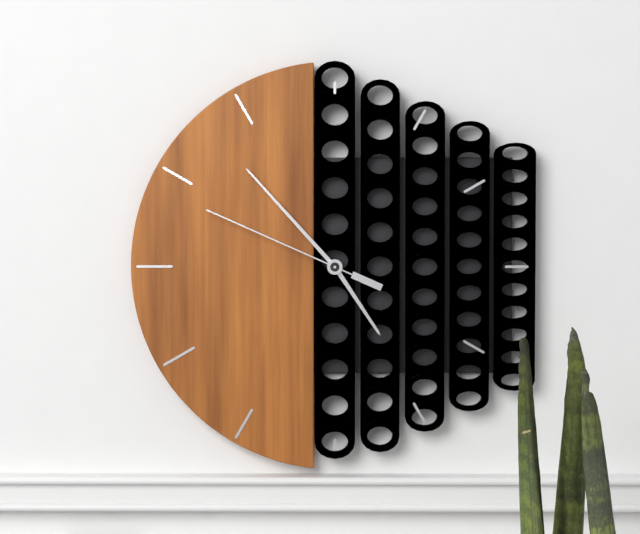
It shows 4.53.49
